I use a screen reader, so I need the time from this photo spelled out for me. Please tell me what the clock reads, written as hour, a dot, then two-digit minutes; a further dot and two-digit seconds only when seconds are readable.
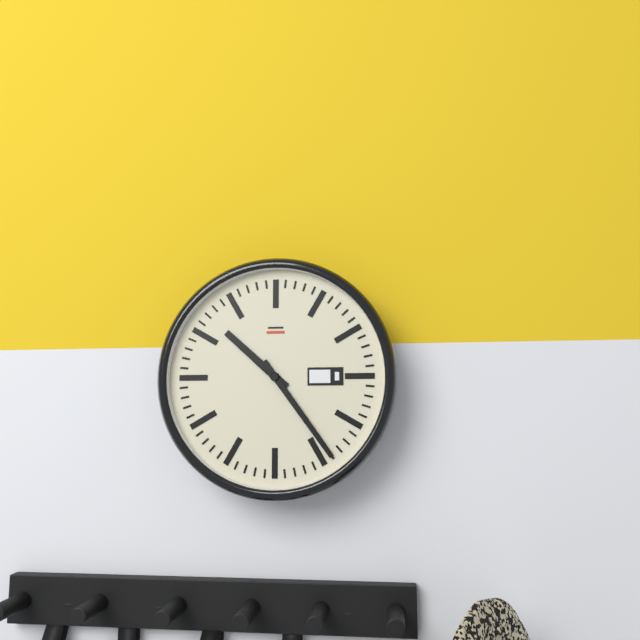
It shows 10.24
